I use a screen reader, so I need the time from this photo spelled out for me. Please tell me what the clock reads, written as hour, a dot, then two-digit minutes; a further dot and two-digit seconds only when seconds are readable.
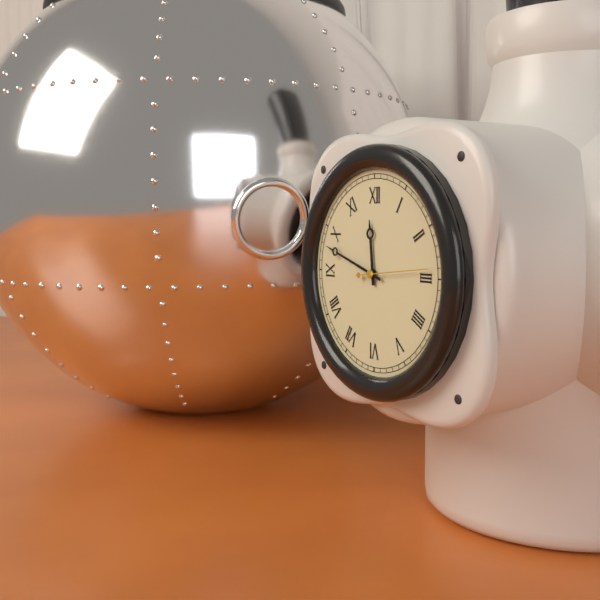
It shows 11.48.14
